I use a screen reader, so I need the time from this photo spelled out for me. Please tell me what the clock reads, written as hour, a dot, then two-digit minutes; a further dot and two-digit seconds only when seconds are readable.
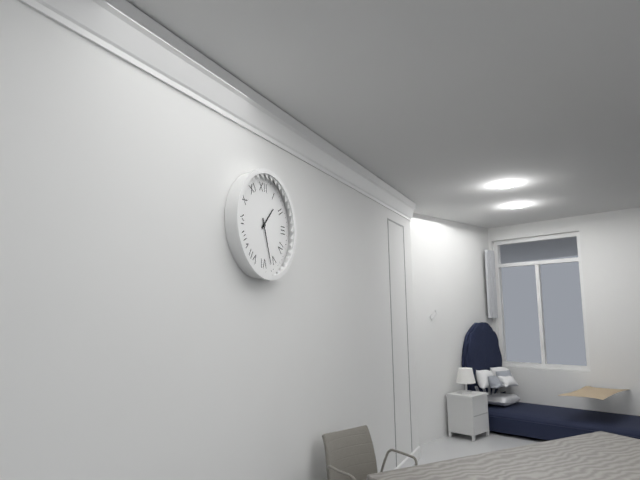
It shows 1.27
